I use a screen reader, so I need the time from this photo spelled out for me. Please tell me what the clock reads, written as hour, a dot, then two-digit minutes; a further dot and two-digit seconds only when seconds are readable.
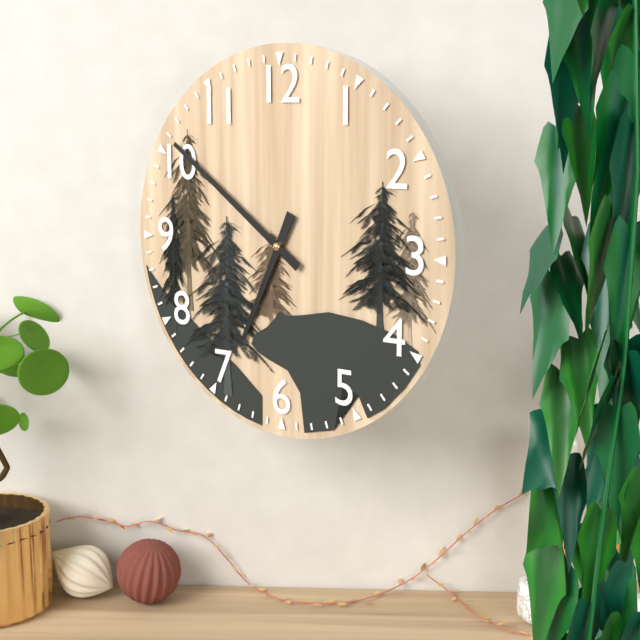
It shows 6.51
